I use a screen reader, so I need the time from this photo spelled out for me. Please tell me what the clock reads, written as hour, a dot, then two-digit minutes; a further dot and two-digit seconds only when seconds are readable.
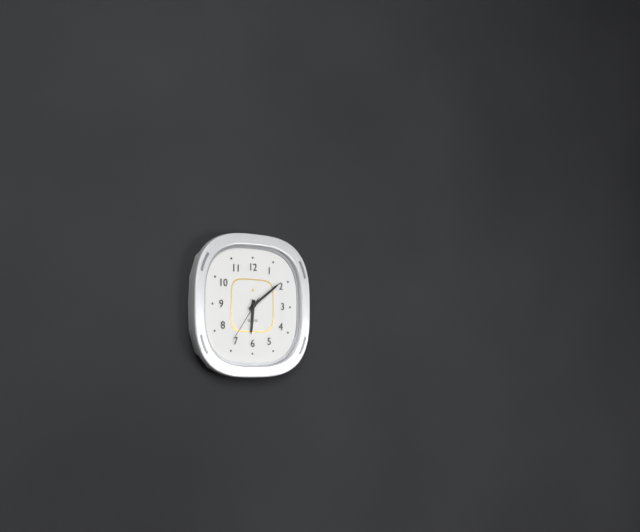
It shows 6.09.36
